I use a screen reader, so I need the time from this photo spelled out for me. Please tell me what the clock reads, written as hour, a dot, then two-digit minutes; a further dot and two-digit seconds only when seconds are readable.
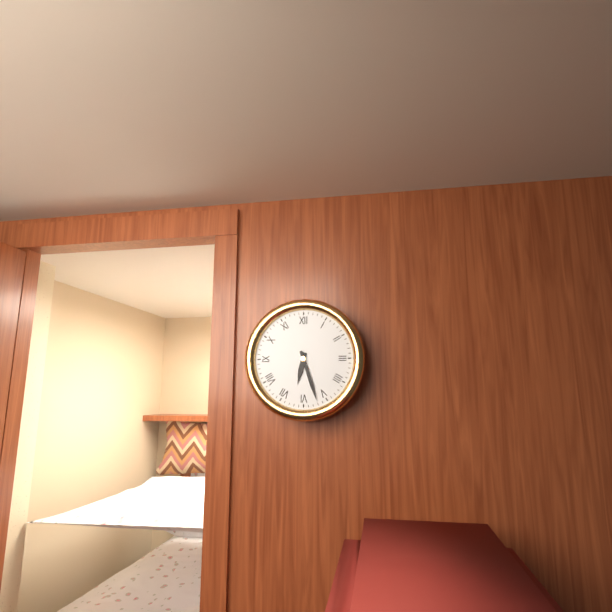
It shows 6.27
